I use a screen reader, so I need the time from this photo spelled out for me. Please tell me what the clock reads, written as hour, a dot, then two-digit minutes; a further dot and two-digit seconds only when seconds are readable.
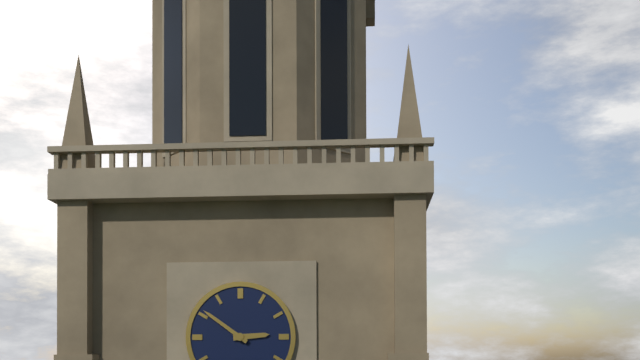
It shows 2.51
